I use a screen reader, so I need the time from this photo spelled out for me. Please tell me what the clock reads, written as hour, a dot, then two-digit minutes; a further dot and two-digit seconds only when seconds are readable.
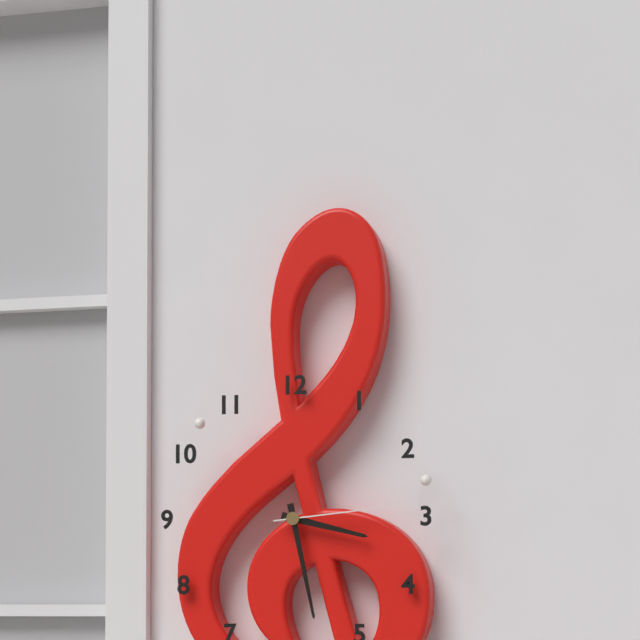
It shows 3.28.14
